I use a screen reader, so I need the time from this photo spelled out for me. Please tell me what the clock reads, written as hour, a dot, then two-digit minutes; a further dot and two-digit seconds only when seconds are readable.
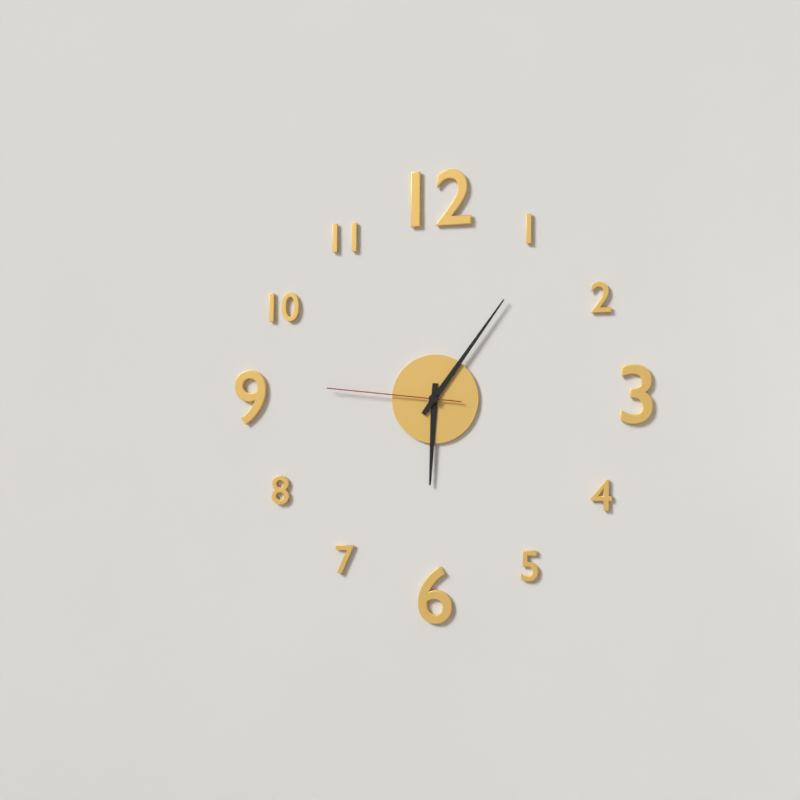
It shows 6.06.46
